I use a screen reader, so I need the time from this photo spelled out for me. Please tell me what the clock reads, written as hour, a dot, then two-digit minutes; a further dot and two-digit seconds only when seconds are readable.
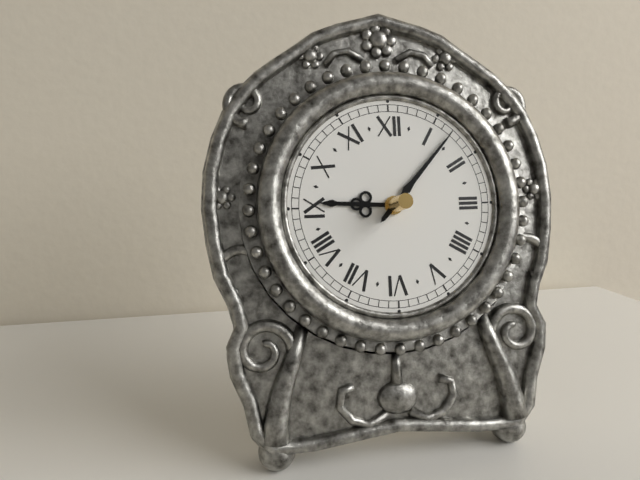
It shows 9.07
